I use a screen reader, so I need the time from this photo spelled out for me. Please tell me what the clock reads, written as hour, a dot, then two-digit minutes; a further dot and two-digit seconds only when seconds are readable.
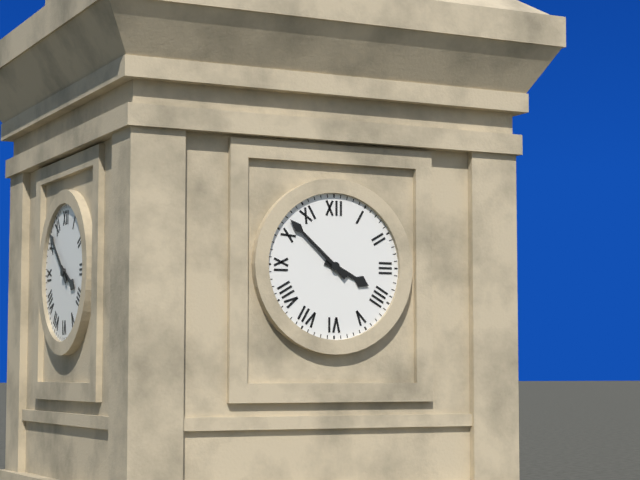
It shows 3.52
